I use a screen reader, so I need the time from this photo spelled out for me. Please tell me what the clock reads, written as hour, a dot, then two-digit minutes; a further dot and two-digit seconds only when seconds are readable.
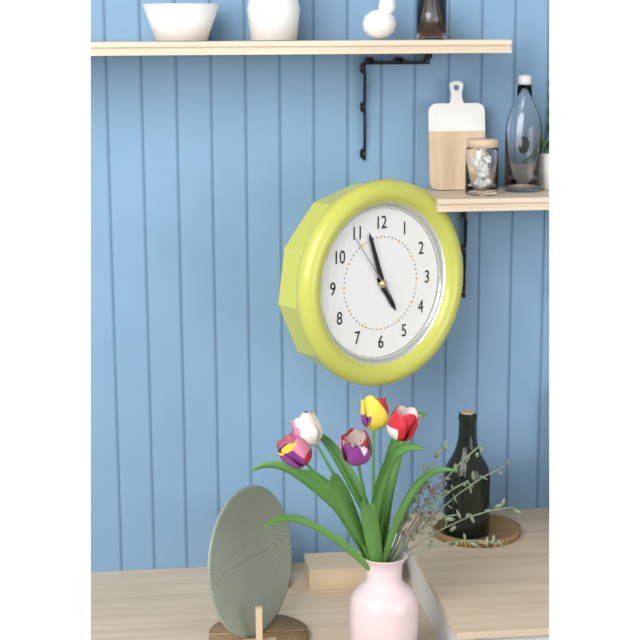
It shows 4.57.54
